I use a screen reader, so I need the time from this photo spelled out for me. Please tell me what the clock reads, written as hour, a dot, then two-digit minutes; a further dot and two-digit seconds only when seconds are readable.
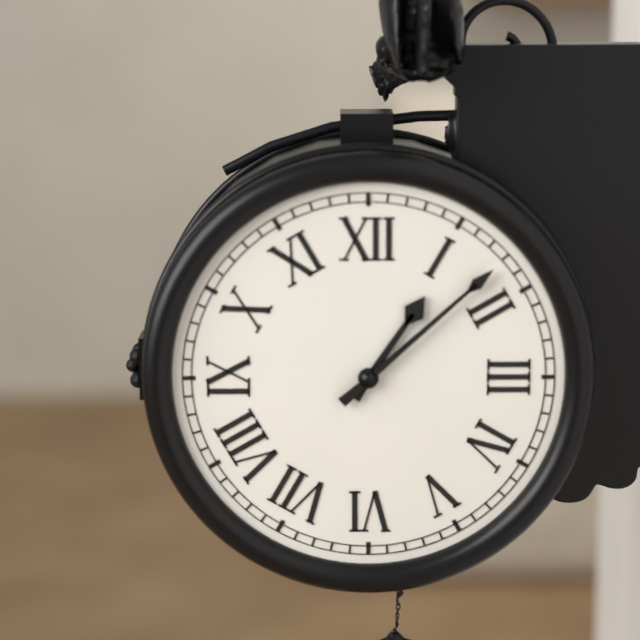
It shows 1.08
